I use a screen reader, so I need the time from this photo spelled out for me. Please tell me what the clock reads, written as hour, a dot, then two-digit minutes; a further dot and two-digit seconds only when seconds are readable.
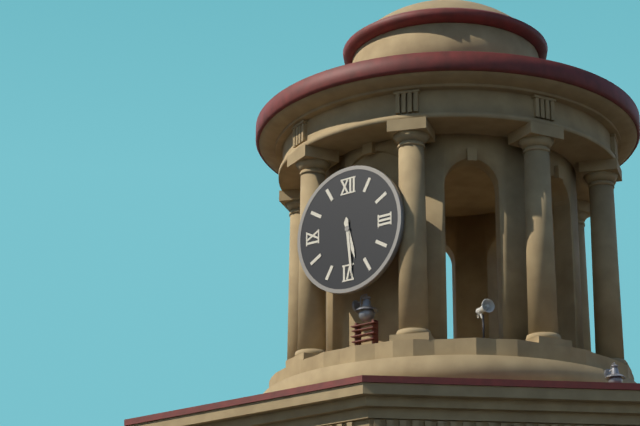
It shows 5.29
